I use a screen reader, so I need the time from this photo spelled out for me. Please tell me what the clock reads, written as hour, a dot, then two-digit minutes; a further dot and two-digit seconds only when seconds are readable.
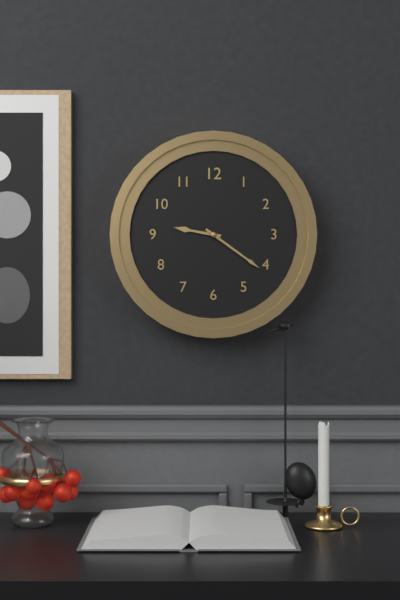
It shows 9.21
